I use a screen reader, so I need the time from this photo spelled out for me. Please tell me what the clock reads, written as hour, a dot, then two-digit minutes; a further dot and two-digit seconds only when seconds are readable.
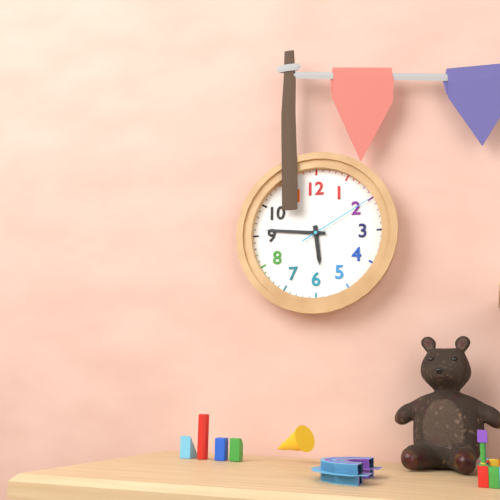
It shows 5.46.10
